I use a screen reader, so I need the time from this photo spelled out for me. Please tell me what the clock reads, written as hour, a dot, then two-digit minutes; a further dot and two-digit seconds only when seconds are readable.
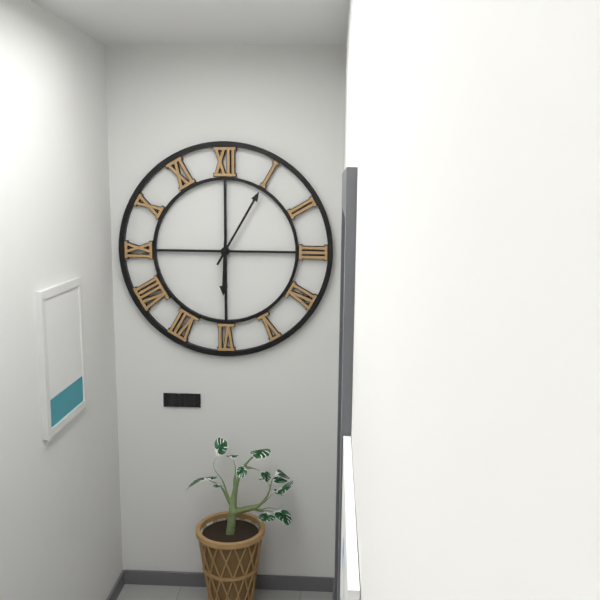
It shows 6.05
